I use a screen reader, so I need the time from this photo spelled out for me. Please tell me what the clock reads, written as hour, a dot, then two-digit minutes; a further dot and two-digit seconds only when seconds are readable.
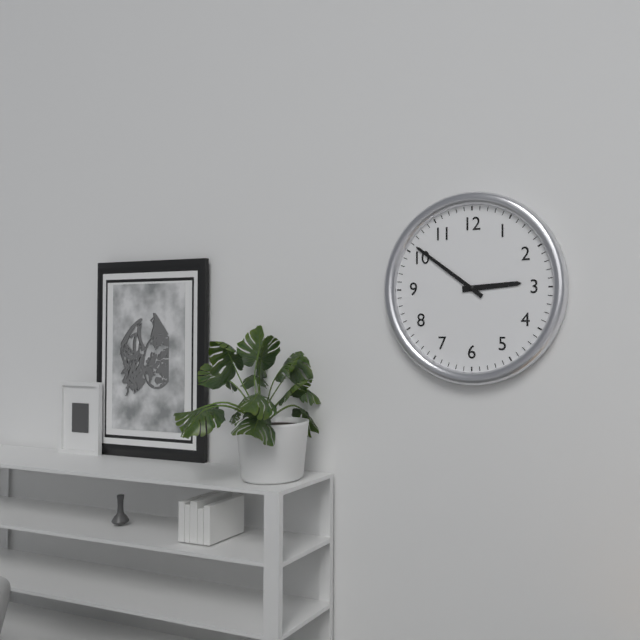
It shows 2.51
